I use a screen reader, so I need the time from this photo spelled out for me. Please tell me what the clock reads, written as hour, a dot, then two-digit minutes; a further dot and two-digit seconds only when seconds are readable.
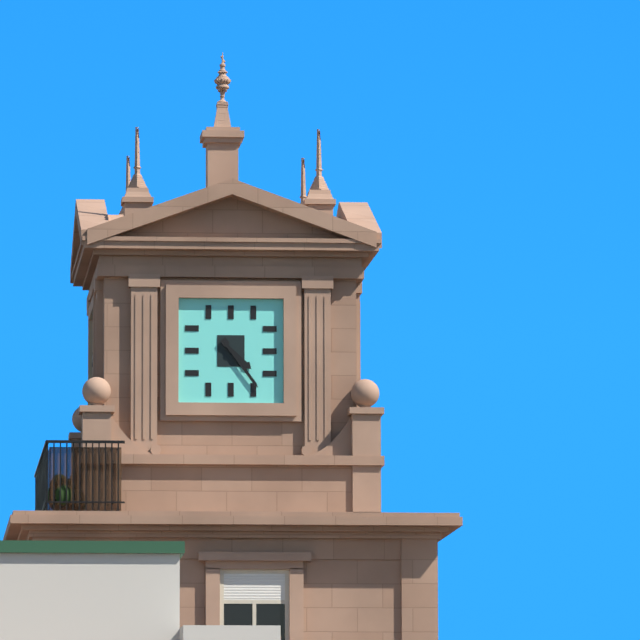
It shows 4.24
